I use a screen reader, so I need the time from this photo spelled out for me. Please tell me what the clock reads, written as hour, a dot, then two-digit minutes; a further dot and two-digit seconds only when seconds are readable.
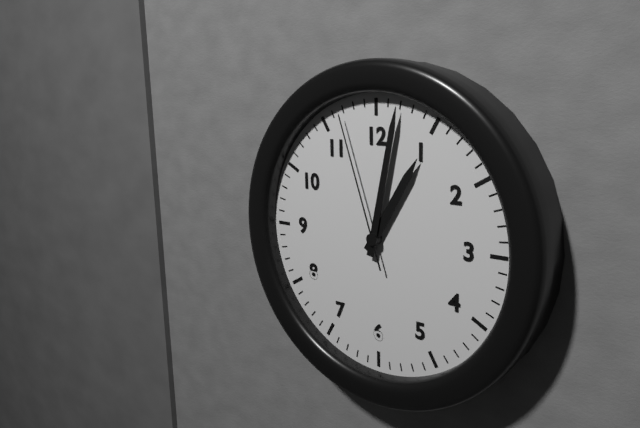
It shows 1.02.57
